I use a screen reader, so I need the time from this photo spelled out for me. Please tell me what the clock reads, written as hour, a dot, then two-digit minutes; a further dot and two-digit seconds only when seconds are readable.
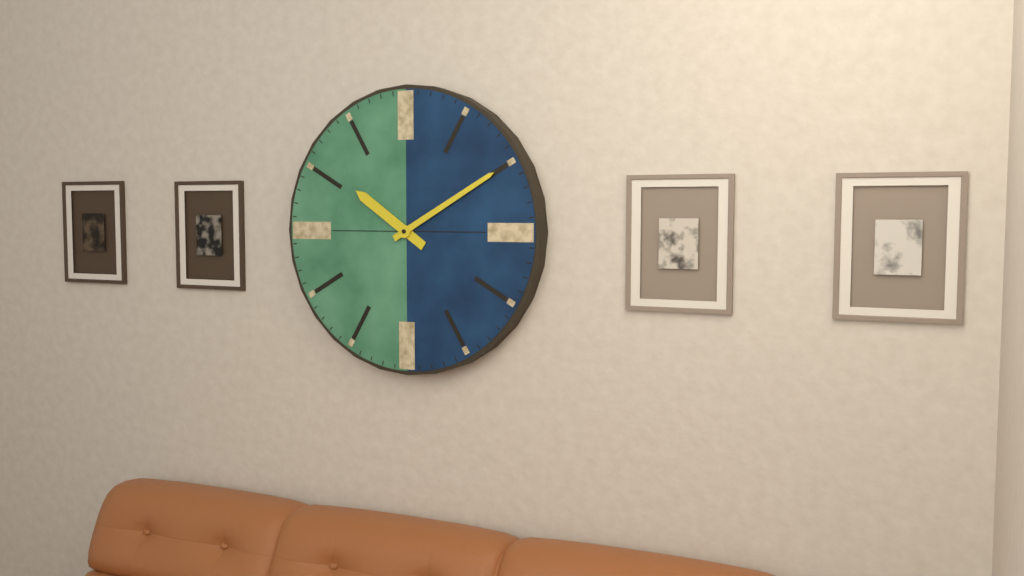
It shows 10.10
